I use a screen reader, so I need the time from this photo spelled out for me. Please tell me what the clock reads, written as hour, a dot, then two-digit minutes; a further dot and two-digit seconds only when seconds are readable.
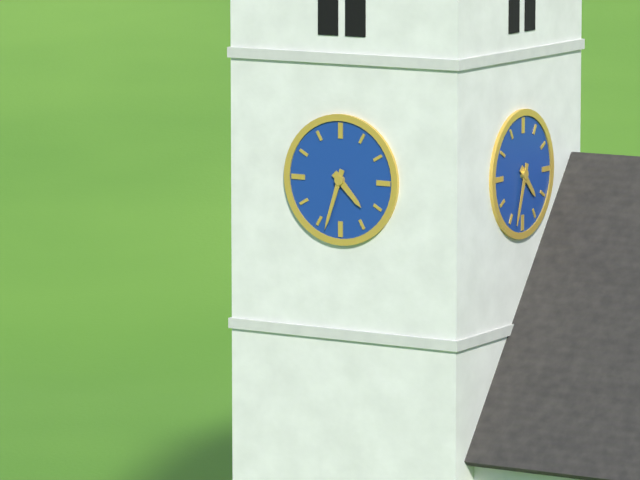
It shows 4.33
